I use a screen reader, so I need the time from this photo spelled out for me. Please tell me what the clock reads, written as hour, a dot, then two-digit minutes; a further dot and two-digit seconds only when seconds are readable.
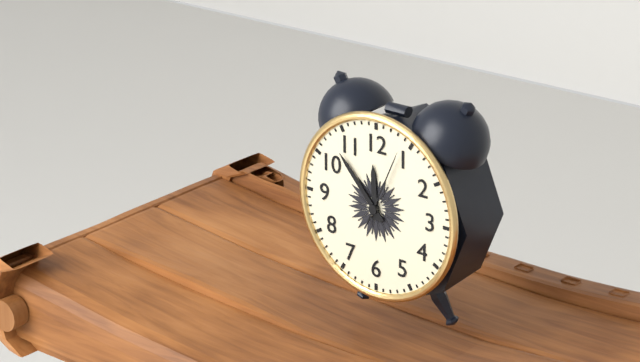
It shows 11.53.04
